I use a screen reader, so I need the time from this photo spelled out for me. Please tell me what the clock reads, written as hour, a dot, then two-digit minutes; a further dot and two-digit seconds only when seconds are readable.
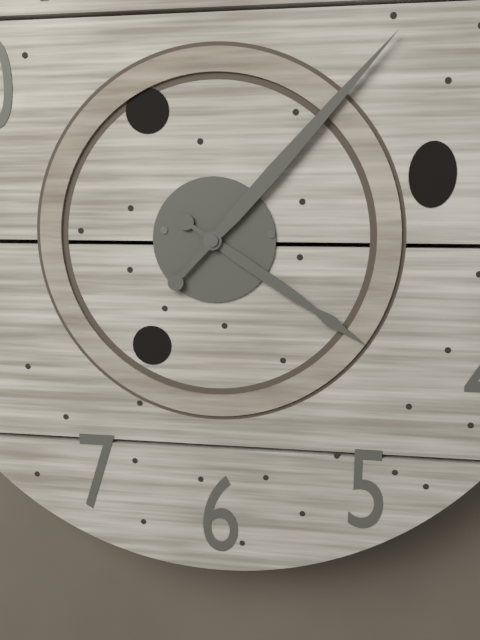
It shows 4.07
